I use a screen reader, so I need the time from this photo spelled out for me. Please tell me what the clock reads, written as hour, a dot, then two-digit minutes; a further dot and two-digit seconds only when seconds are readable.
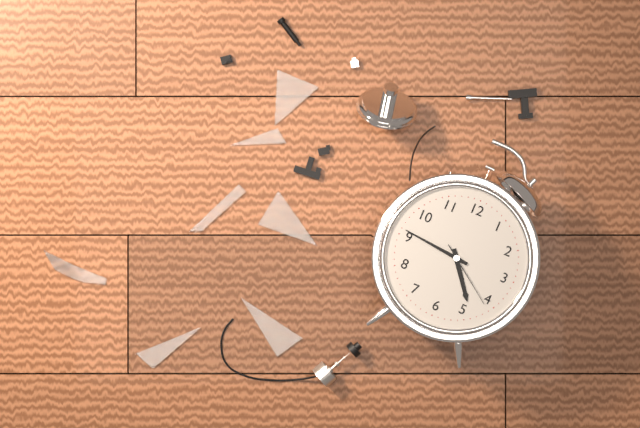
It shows 4.46.21
